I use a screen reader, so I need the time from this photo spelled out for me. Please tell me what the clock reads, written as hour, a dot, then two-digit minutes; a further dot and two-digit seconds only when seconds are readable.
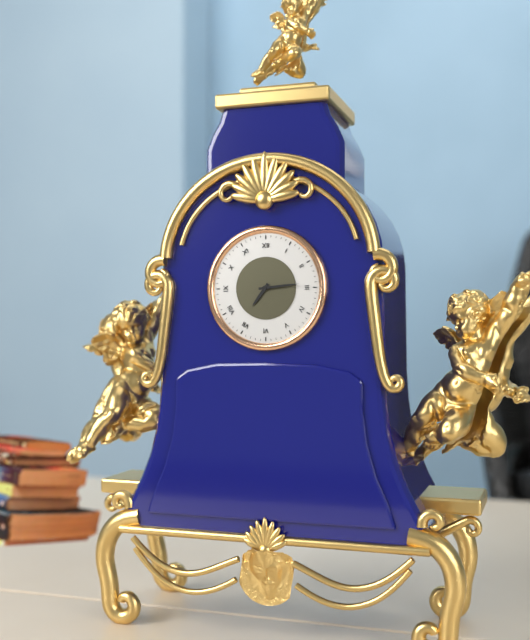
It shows 7.14
